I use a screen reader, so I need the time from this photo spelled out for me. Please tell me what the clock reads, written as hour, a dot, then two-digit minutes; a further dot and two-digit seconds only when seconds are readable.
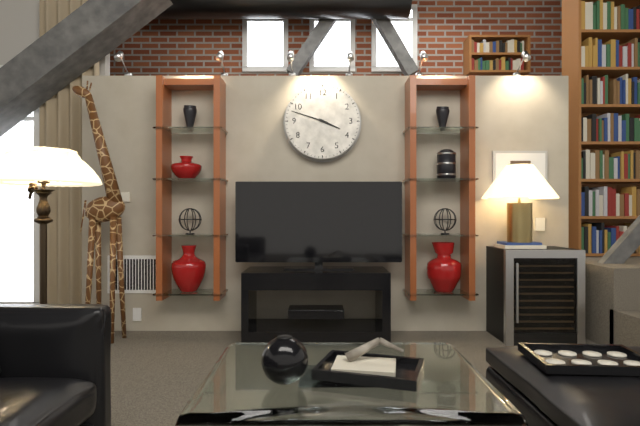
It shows 3.48
